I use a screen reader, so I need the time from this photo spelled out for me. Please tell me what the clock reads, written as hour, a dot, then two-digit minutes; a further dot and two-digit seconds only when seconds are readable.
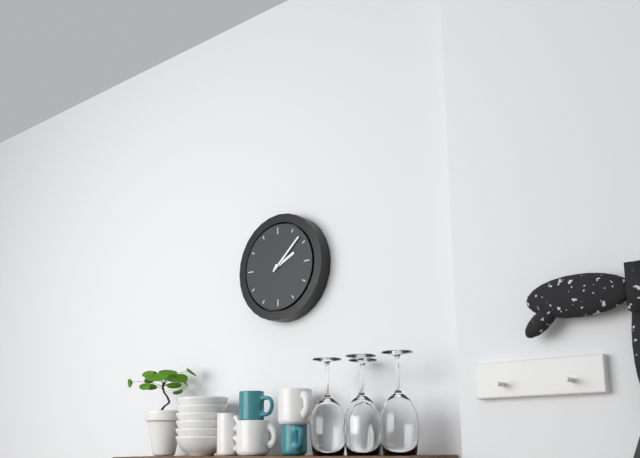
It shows 2.08
